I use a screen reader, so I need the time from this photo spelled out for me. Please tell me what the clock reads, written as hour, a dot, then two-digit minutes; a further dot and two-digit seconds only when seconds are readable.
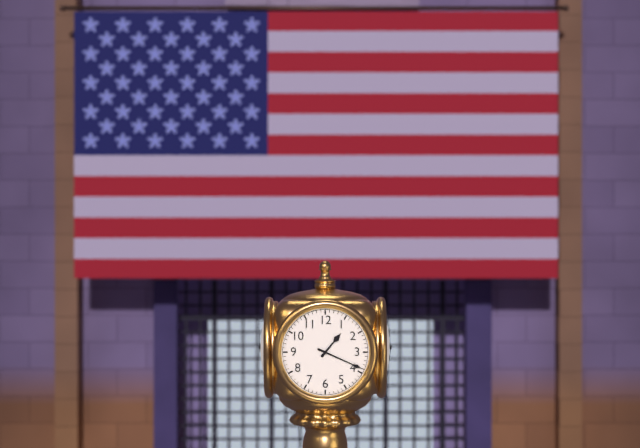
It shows 1.19
